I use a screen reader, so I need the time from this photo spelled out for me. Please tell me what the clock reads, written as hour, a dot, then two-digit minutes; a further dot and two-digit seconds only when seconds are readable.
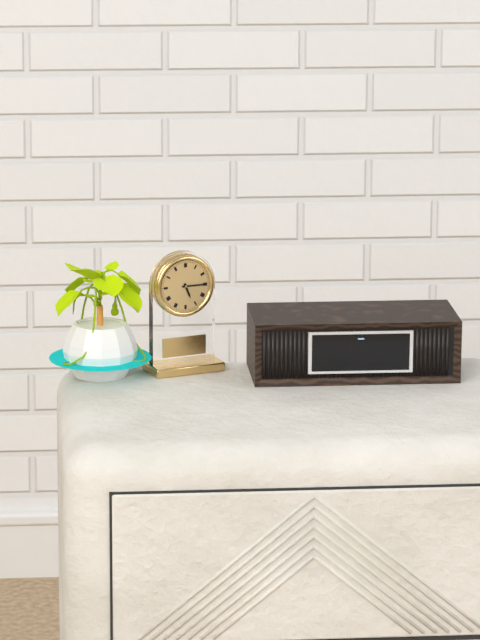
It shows 5.15
